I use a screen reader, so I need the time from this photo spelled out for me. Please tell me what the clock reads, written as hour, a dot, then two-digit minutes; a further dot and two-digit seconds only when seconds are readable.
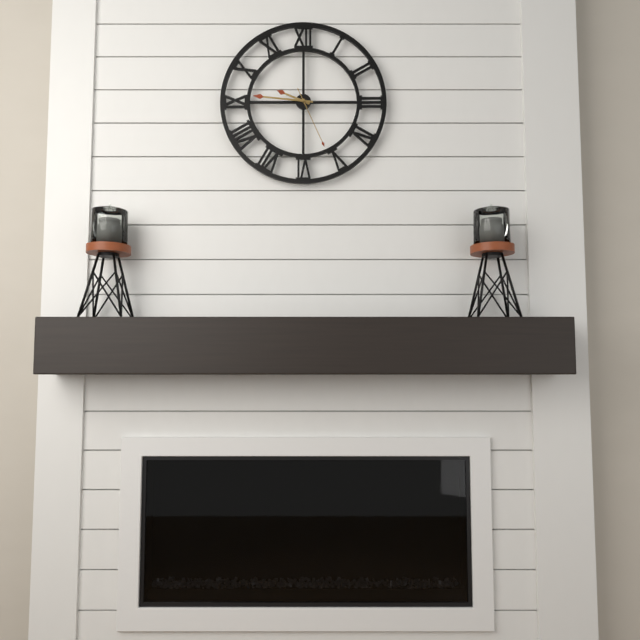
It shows 9.46.26
